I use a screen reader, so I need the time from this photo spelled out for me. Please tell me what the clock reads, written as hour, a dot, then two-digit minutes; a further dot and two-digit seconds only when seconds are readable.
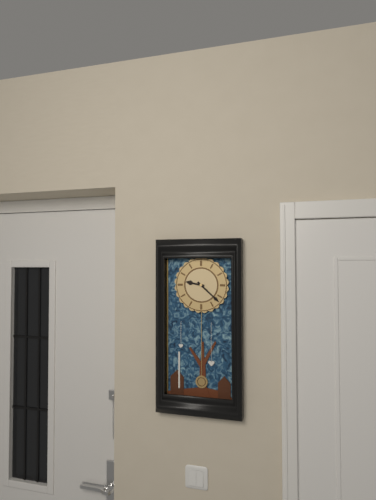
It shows 9.22
